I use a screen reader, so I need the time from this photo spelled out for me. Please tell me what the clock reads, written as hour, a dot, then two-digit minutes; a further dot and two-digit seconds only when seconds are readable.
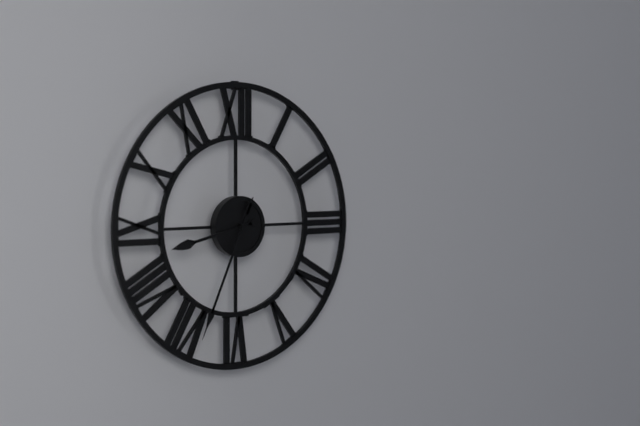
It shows 8.34
